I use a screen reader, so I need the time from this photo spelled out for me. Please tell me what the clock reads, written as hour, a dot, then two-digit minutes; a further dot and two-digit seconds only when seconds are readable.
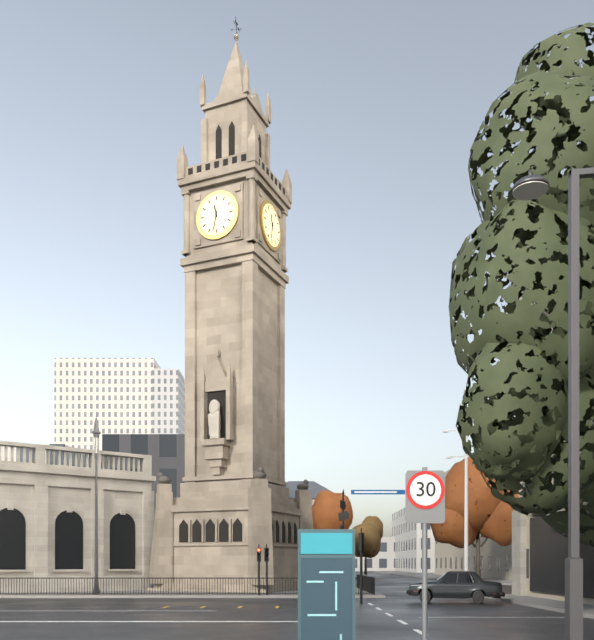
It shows 11.32
